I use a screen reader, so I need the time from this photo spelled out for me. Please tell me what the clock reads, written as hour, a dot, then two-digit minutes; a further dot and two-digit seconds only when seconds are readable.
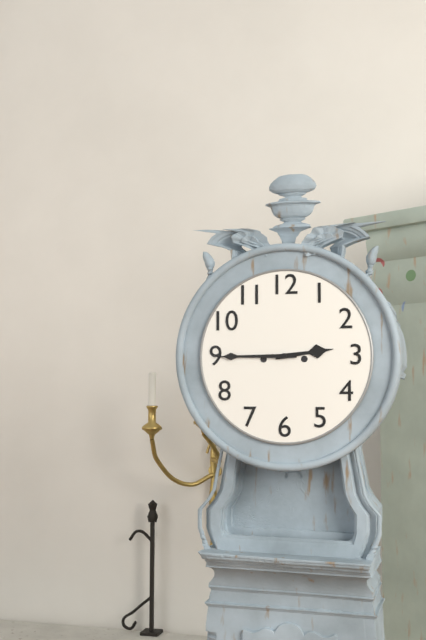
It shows 2.45
